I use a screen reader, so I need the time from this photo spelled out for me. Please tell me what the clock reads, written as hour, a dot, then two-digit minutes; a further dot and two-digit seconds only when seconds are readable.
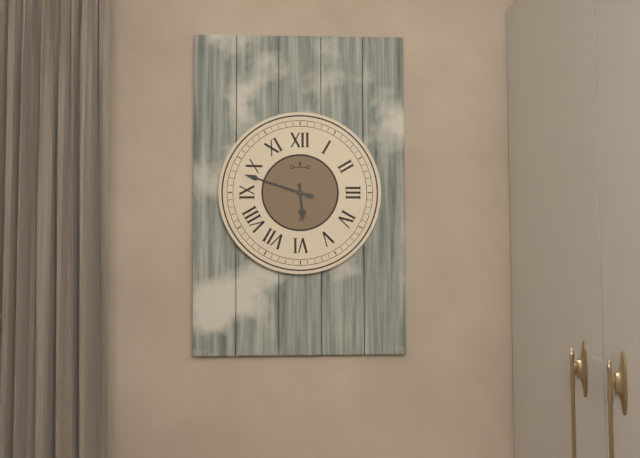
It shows 5.48
